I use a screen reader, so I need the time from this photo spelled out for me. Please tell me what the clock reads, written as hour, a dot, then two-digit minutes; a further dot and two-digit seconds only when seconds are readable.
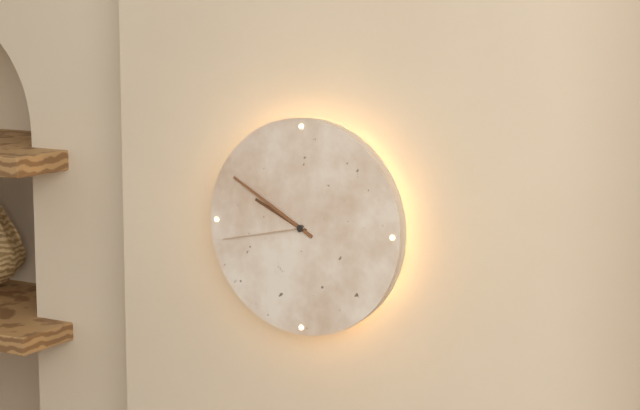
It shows 9.50.43
